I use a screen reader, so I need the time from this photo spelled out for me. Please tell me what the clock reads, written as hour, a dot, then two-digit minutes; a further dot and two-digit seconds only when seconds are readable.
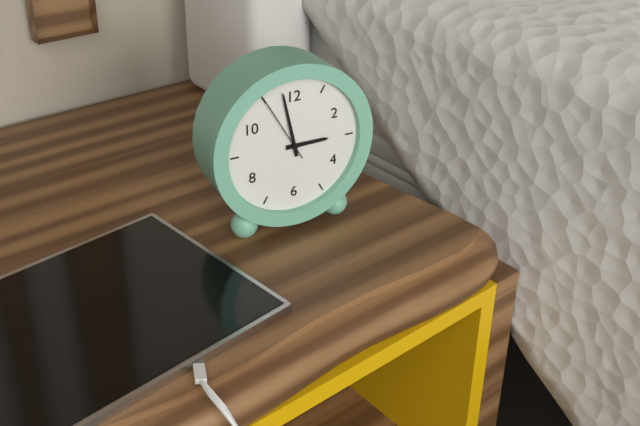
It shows 2.58.55
